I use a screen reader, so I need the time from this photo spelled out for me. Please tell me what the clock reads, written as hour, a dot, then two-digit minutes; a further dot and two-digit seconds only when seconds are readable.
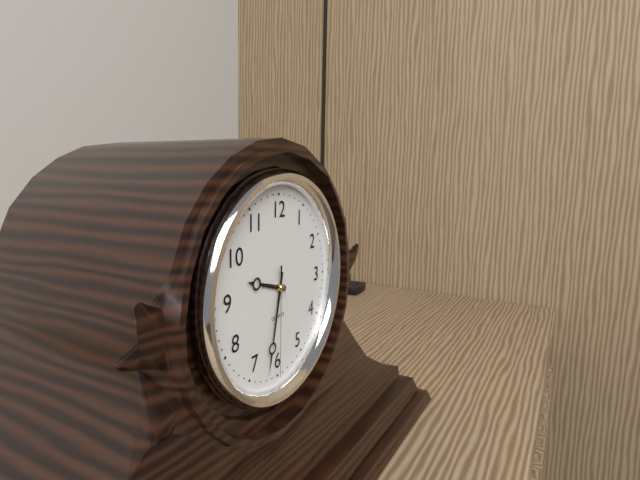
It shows 9.32.30
